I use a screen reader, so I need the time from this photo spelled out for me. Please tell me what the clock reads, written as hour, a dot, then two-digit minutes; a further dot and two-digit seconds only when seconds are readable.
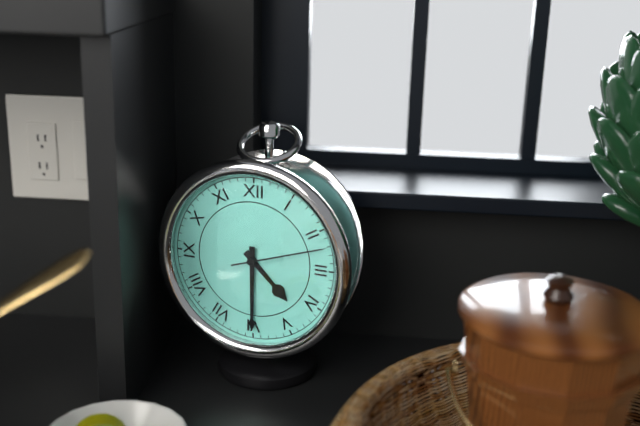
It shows 4.30.12
